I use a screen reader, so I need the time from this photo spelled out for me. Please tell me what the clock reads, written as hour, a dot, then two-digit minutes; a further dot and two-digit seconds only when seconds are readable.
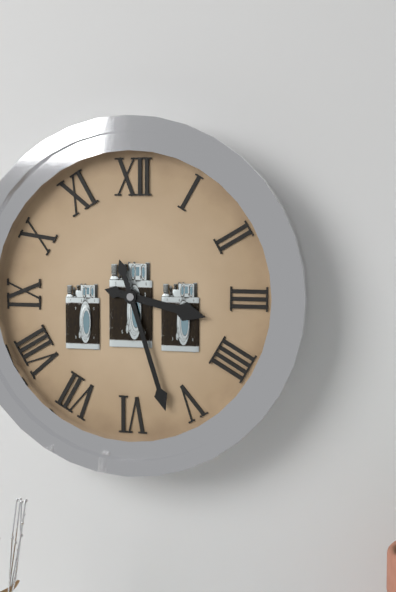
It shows 3.27
